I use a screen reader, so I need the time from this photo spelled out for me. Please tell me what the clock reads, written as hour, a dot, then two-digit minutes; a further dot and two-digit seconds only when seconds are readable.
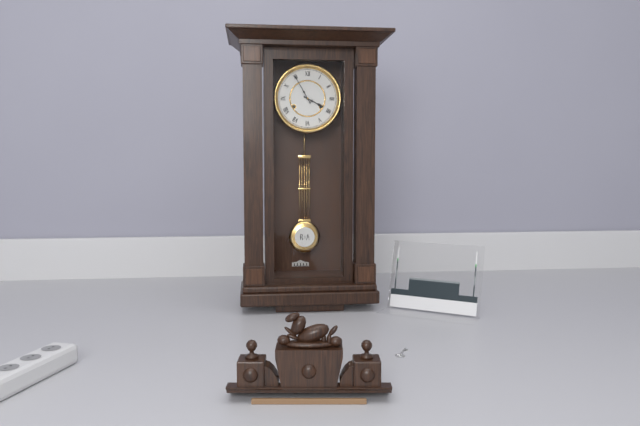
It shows 3.55
